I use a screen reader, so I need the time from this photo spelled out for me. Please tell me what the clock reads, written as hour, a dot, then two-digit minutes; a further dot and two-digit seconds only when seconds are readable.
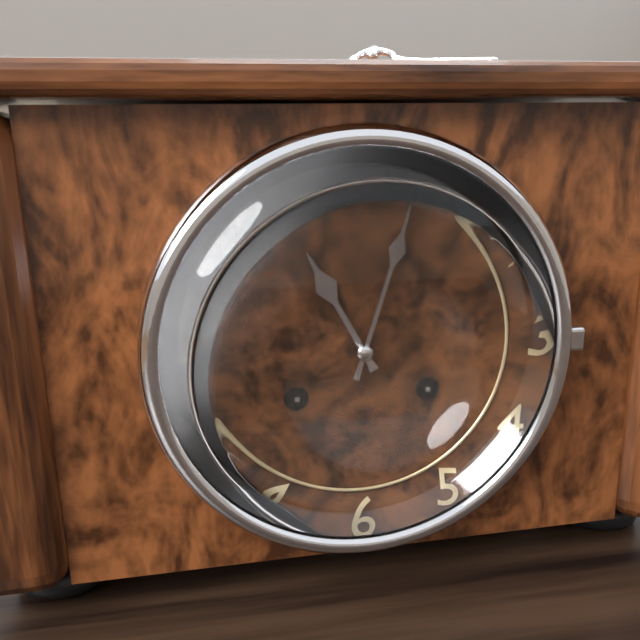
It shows 11.03
